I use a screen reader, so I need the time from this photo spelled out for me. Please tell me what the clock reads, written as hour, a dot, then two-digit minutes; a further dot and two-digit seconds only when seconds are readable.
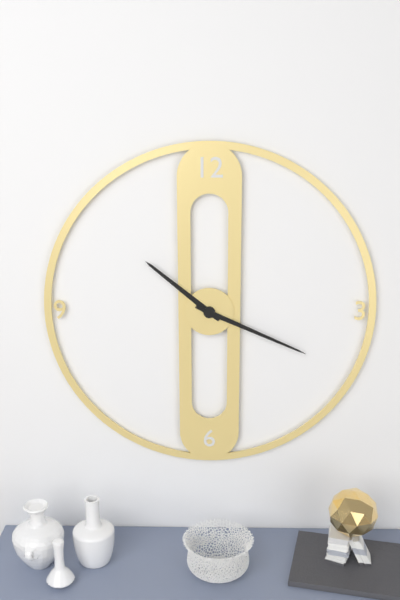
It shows 10.19
